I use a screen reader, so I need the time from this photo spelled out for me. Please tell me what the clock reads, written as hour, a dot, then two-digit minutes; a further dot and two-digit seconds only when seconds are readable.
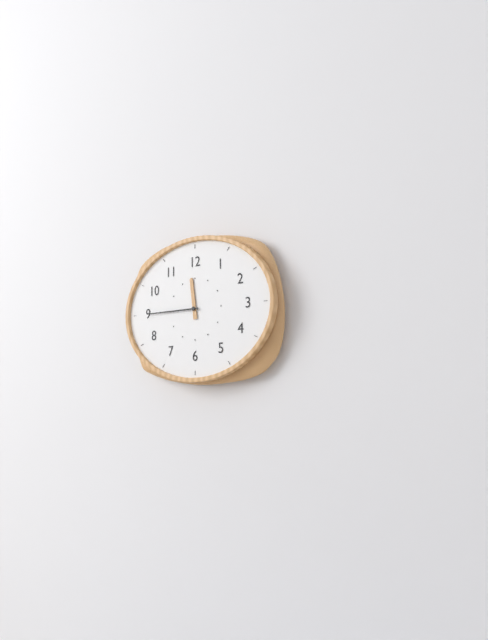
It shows 11.45
